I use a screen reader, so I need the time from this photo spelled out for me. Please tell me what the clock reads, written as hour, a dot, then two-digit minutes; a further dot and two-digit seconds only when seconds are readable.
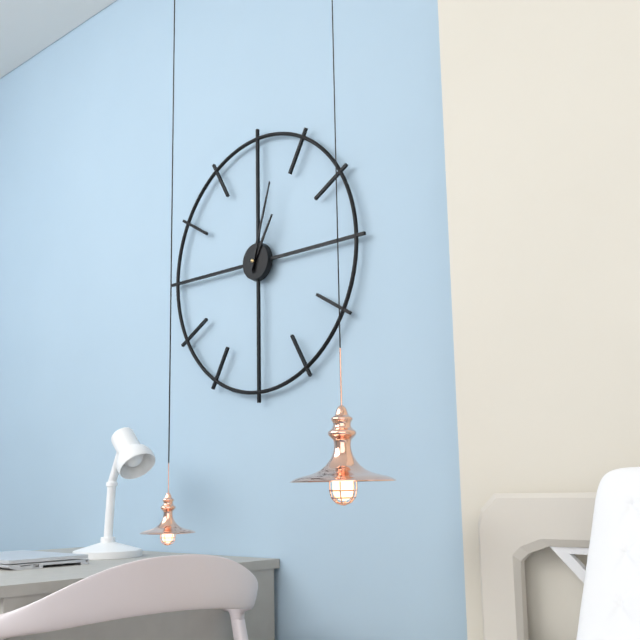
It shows 1.03
